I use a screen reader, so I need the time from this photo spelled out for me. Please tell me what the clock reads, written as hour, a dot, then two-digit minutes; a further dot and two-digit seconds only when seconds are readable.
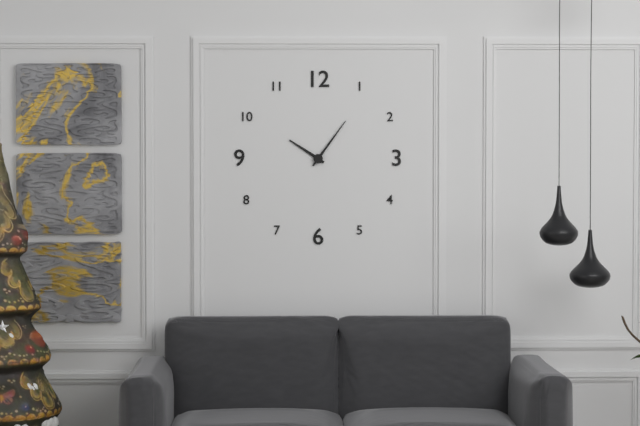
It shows 10.06
